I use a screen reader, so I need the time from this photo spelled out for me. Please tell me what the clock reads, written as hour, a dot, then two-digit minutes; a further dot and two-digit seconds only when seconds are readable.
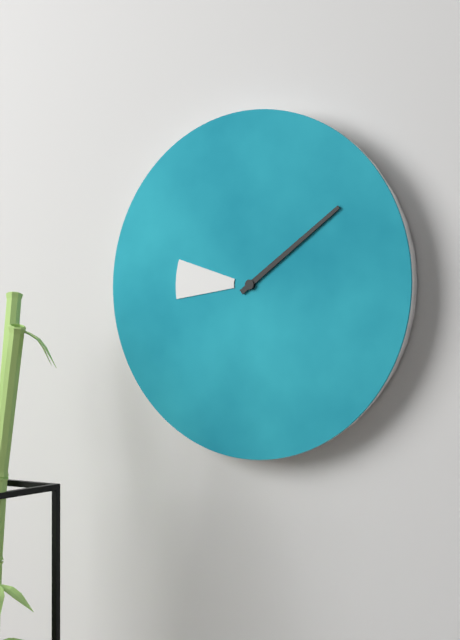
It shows 9.09
